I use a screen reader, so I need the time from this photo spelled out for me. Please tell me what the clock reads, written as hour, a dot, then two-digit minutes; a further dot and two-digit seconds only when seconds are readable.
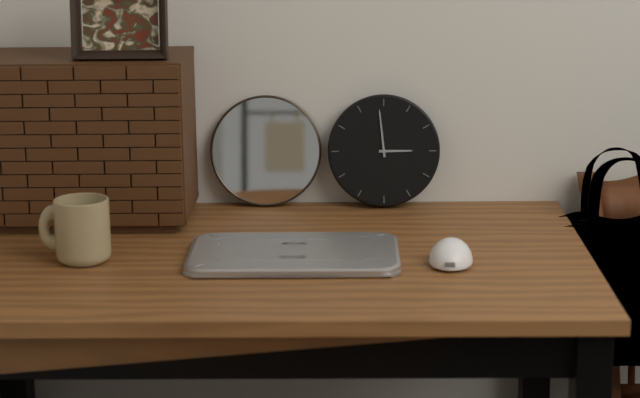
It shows 2.59
